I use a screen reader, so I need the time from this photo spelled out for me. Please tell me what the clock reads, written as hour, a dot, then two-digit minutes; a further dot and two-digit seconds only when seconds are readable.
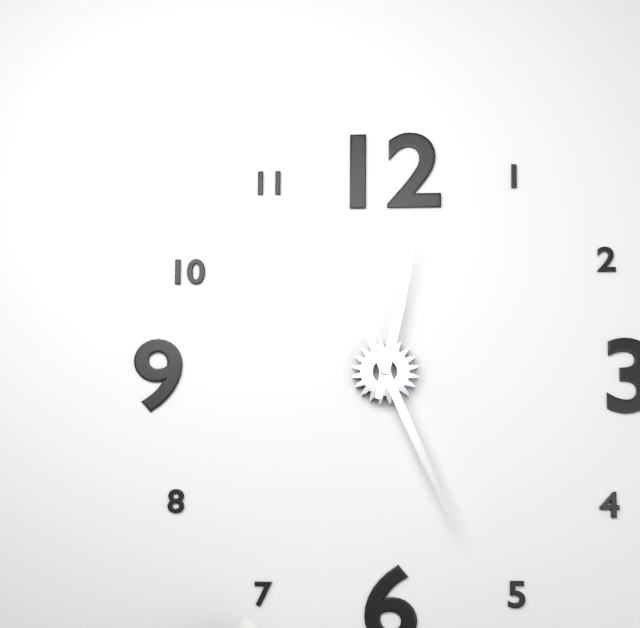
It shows 12.26
